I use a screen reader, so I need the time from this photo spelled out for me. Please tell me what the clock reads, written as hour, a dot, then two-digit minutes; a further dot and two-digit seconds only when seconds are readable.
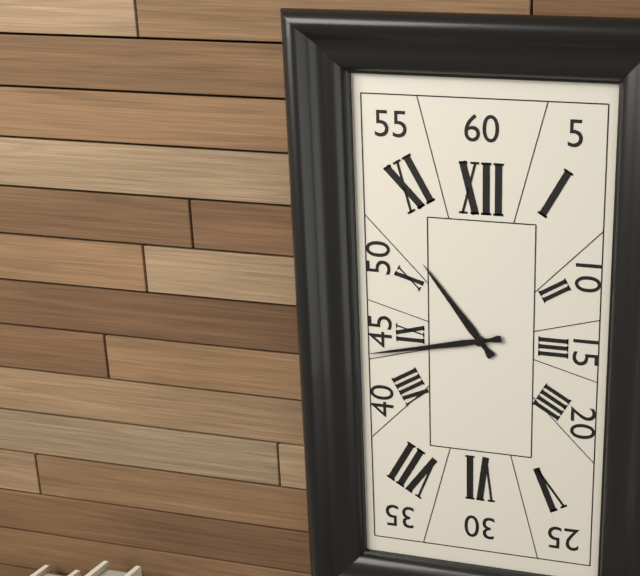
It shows 10.43
